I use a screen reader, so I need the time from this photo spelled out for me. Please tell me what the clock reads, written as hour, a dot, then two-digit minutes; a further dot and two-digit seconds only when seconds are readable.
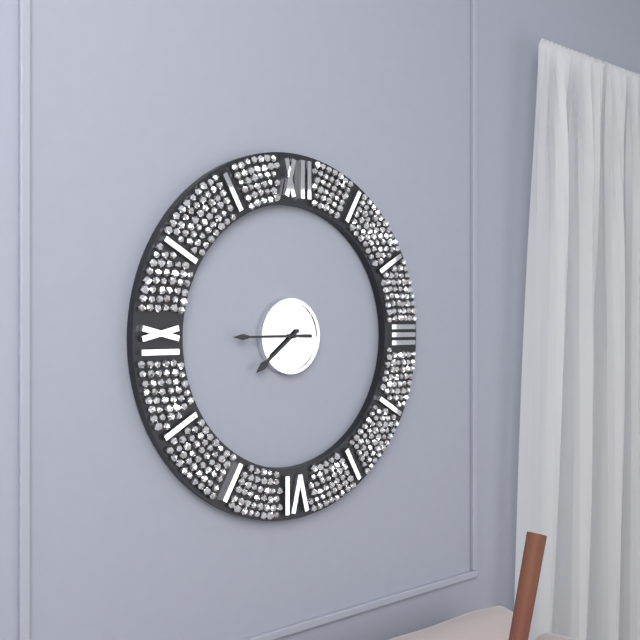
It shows 7.45
